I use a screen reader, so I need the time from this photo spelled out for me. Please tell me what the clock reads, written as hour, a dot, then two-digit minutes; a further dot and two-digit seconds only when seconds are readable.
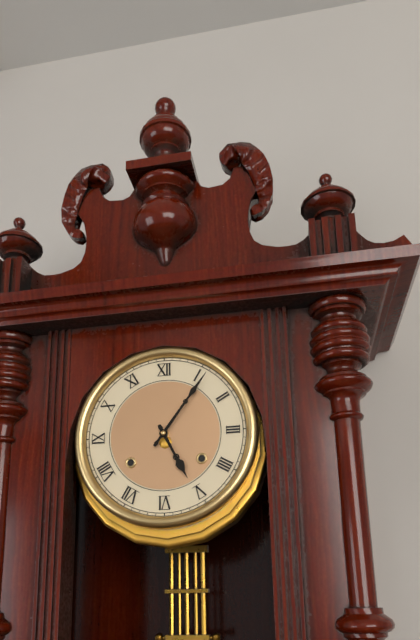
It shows 5.06
